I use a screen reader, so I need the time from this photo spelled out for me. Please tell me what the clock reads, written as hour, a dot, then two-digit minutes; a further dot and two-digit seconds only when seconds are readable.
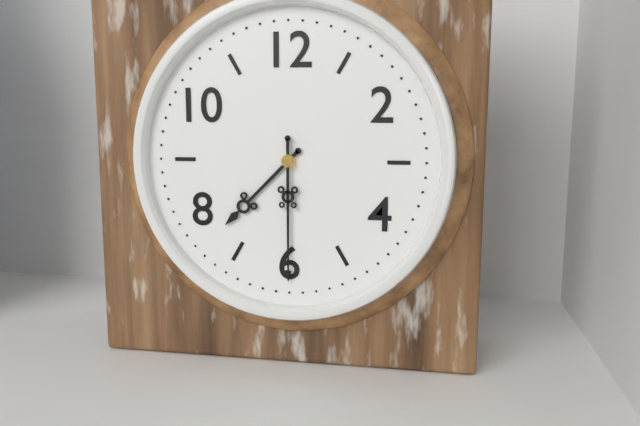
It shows 7.30
